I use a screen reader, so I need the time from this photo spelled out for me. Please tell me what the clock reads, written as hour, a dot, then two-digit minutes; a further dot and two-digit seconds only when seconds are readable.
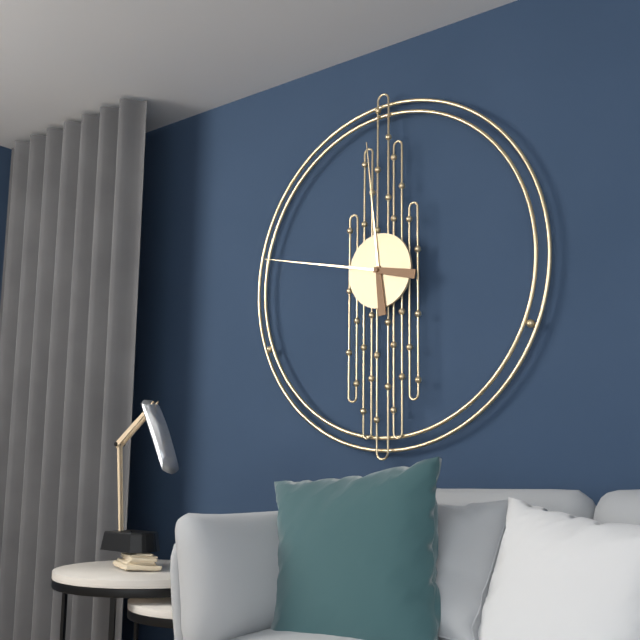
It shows 11.47
